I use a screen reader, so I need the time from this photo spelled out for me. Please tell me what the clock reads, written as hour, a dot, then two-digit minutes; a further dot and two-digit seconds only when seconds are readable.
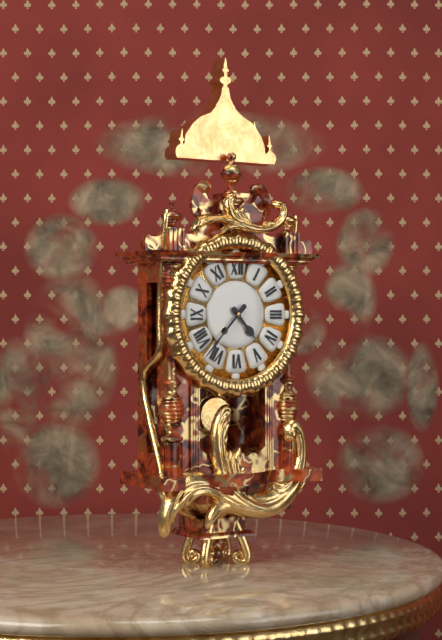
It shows 4.37
